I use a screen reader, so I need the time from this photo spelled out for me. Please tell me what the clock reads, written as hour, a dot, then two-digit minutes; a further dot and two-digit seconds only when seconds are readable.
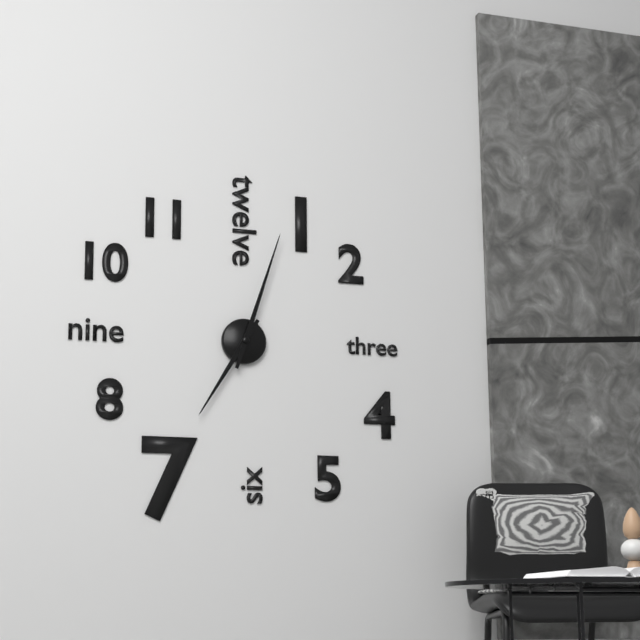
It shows 7.03
